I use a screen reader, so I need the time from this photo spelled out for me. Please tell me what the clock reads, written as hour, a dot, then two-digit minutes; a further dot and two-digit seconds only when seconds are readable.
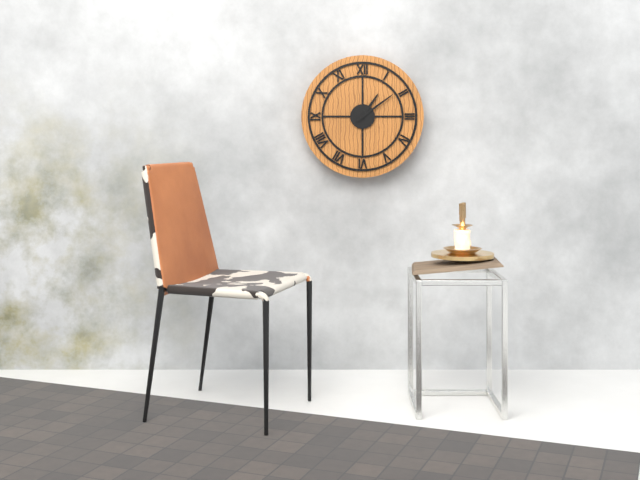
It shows 1.09
